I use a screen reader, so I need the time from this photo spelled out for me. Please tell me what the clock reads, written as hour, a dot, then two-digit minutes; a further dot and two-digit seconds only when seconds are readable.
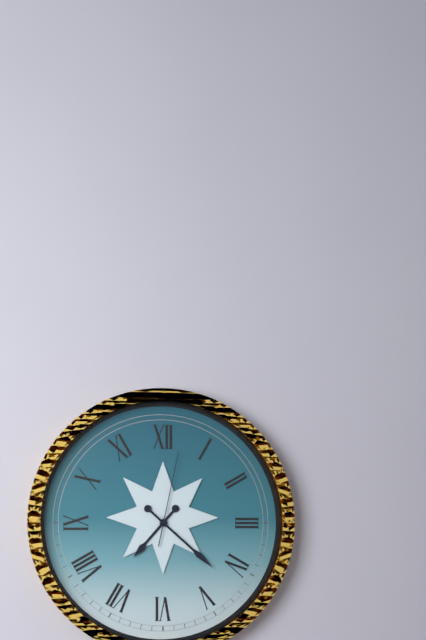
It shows 7.22.02
